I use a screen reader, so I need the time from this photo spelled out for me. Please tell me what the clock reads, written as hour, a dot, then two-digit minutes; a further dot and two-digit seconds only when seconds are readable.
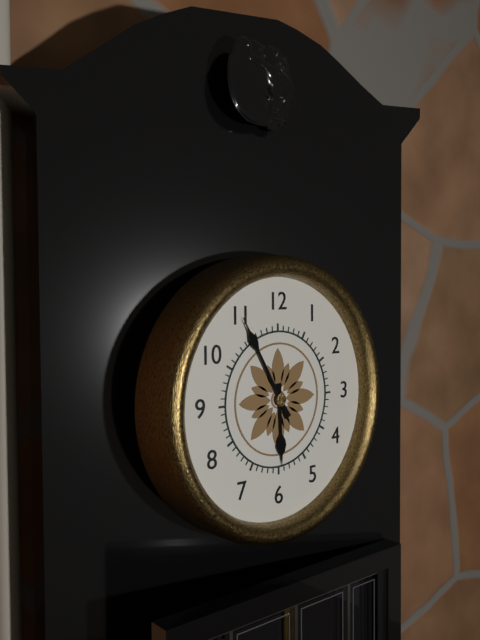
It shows 5.55
